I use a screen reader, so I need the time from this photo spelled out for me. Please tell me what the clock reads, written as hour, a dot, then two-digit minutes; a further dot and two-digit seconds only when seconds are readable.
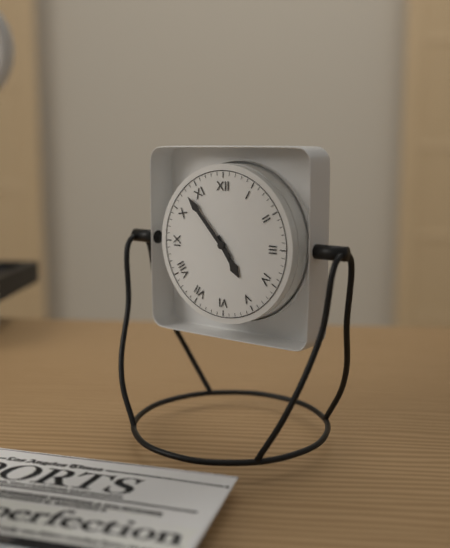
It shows 4.53
